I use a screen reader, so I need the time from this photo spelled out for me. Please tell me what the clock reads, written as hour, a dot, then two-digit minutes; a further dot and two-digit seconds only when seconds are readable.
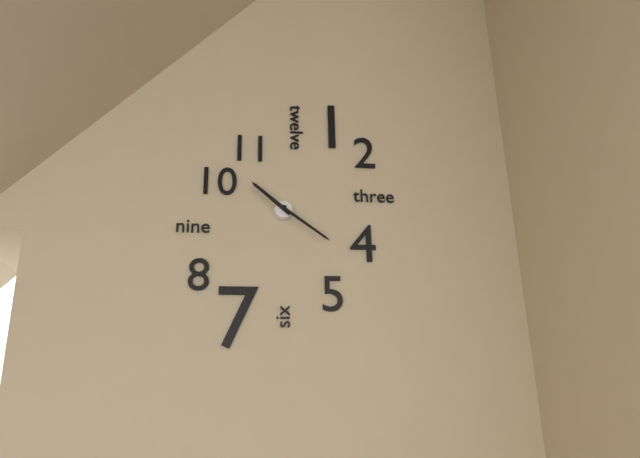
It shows 10.21
